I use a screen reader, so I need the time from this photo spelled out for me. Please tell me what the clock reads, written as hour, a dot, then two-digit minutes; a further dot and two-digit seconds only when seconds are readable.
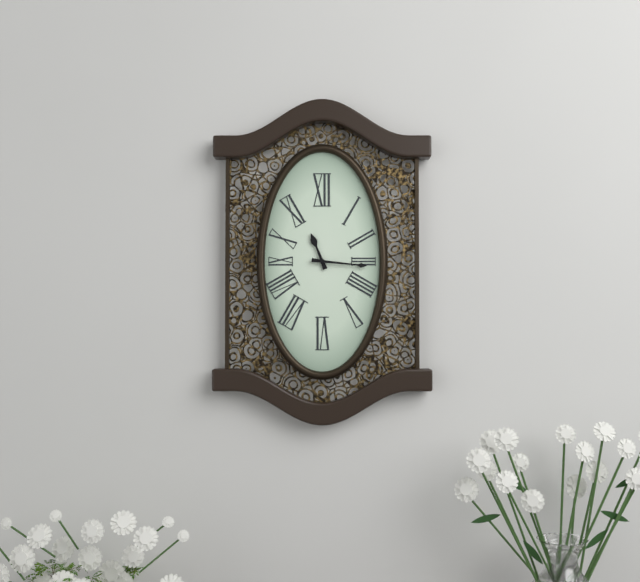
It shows 11.16
